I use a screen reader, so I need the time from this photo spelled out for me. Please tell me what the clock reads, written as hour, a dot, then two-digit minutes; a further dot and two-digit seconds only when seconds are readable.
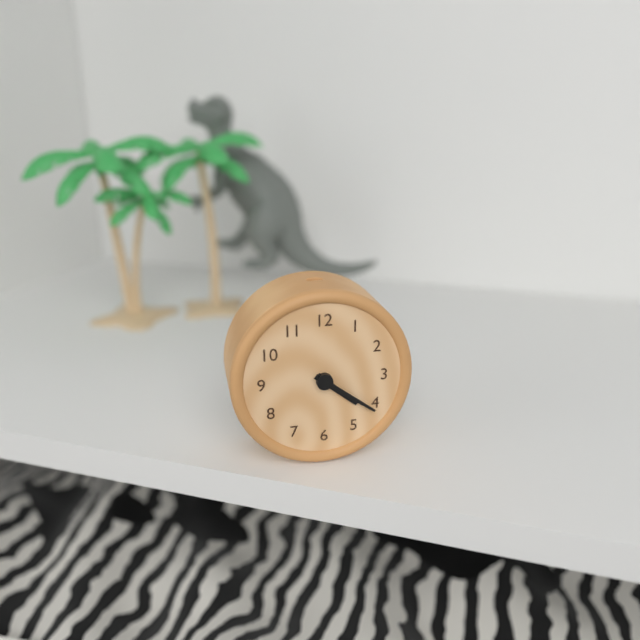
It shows 4.21
